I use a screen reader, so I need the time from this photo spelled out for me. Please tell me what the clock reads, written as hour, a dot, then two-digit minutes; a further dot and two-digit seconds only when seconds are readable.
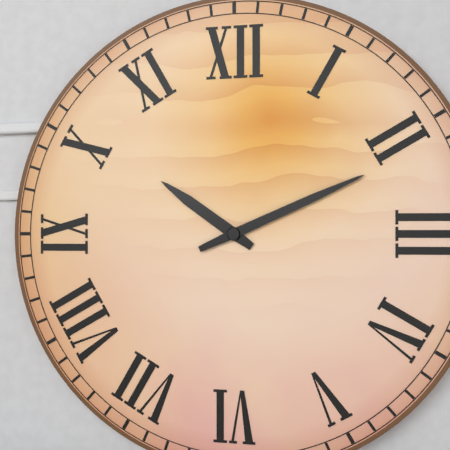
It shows 10.11
